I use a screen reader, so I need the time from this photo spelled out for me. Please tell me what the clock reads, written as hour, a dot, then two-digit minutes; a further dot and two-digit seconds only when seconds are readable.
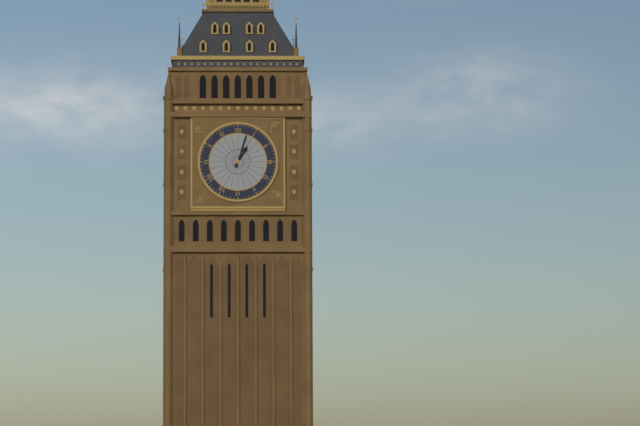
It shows 1.03
